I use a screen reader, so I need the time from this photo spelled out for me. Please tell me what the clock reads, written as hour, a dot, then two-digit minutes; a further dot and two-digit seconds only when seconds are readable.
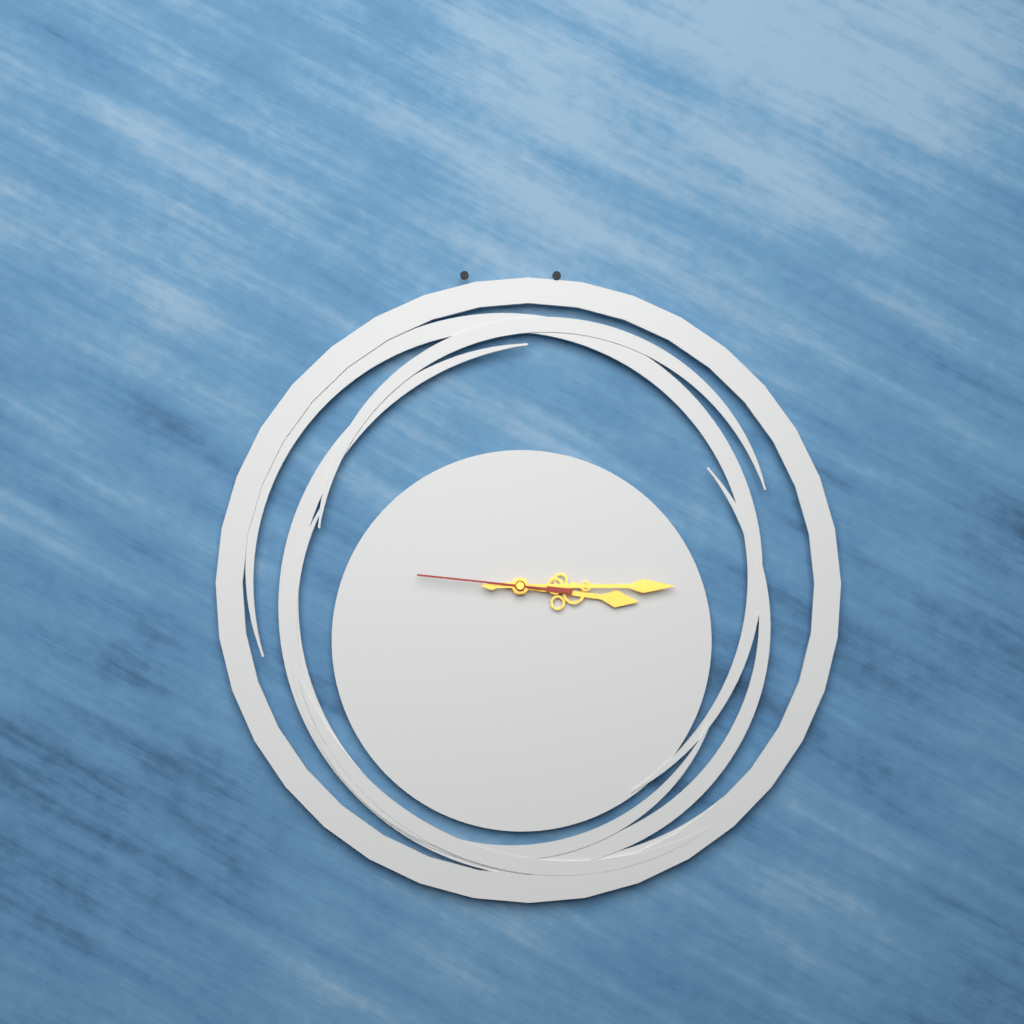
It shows 3.15.46
